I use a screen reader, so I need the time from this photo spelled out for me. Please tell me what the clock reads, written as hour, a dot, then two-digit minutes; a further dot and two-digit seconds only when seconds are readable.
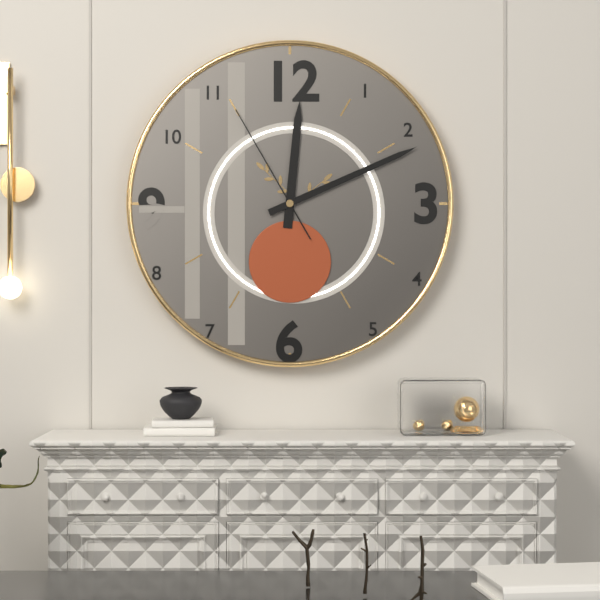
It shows 12.11.55
